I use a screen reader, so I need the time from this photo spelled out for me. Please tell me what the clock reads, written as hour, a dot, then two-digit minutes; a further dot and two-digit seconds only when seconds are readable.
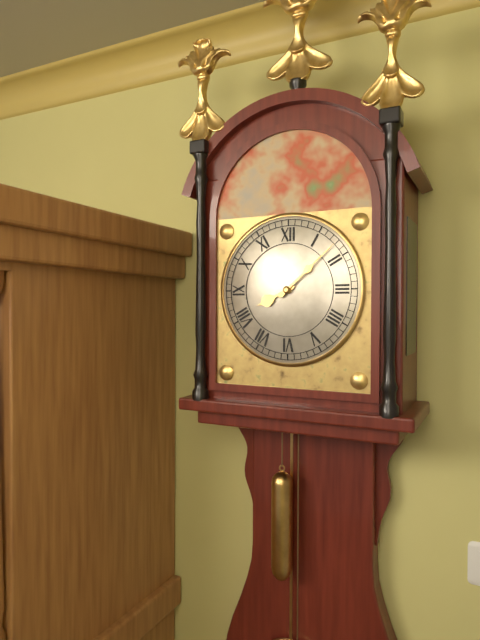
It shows 8.08
